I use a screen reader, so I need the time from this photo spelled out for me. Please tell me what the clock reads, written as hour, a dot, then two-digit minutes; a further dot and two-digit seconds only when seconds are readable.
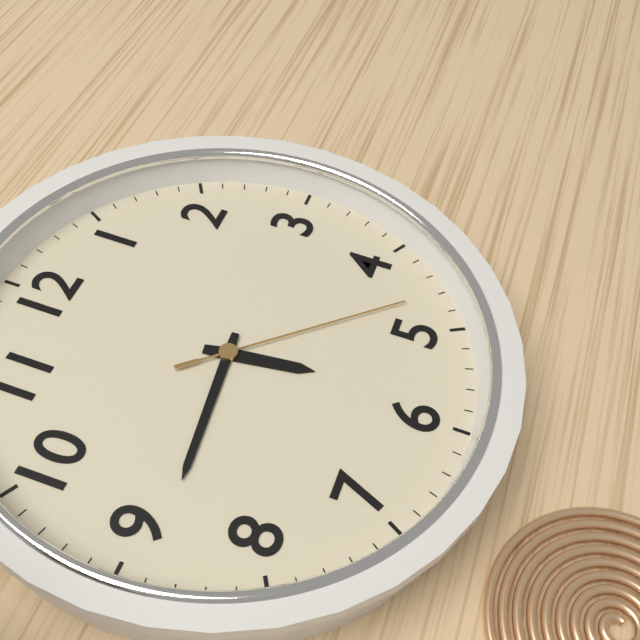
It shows 5.44.23
